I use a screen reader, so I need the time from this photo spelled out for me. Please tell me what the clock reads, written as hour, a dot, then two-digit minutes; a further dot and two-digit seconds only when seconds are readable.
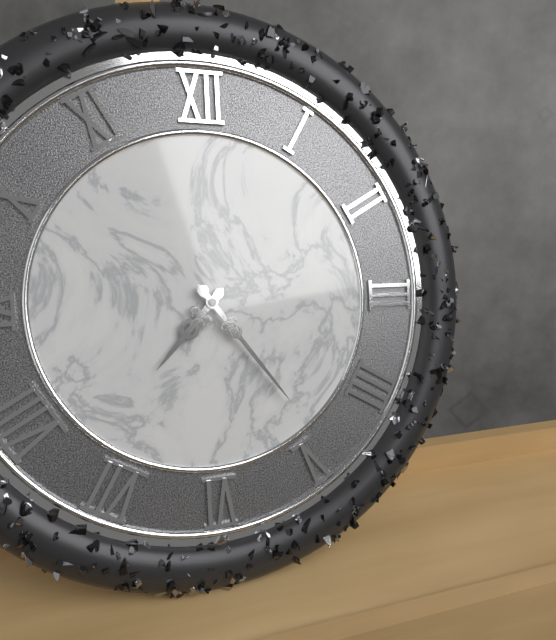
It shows 7.24
